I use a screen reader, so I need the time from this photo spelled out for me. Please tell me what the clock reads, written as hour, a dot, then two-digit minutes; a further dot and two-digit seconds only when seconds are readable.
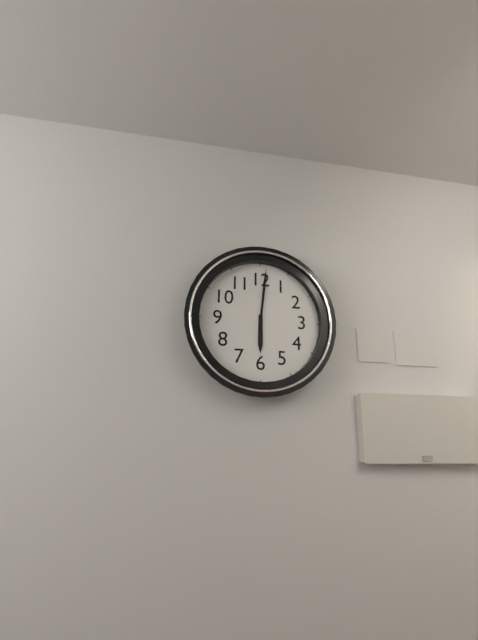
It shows 6.01
